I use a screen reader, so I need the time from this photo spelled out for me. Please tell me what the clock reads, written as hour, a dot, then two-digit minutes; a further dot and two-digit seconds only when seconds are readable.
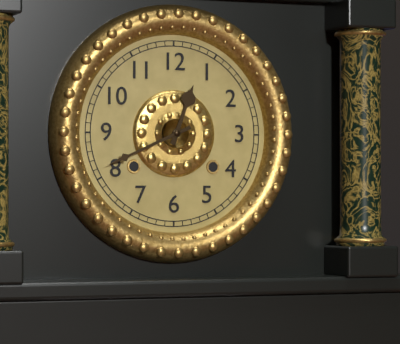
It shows 12.41
